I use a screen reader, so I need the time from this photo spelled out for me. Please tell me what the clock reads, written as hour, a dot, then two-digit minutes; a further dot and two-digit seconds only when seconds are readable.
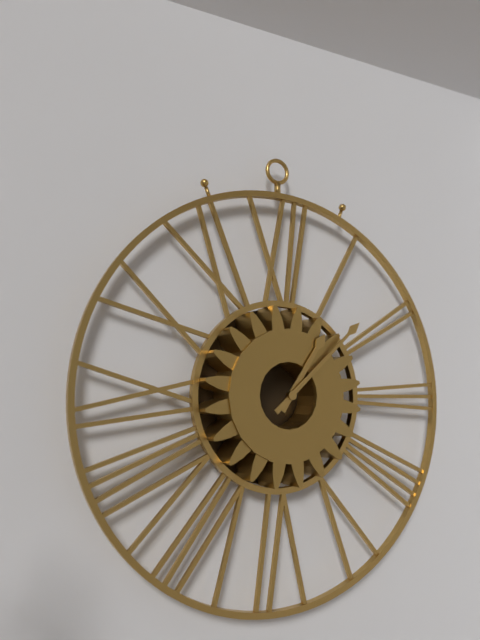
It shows 1.08
